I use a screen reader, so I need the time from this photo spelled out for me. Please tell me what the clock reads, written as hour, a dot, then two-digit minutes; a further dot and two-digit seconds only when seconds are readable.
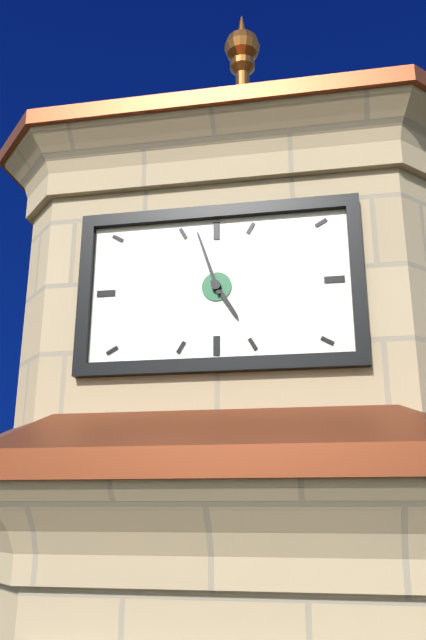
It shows 4.57
